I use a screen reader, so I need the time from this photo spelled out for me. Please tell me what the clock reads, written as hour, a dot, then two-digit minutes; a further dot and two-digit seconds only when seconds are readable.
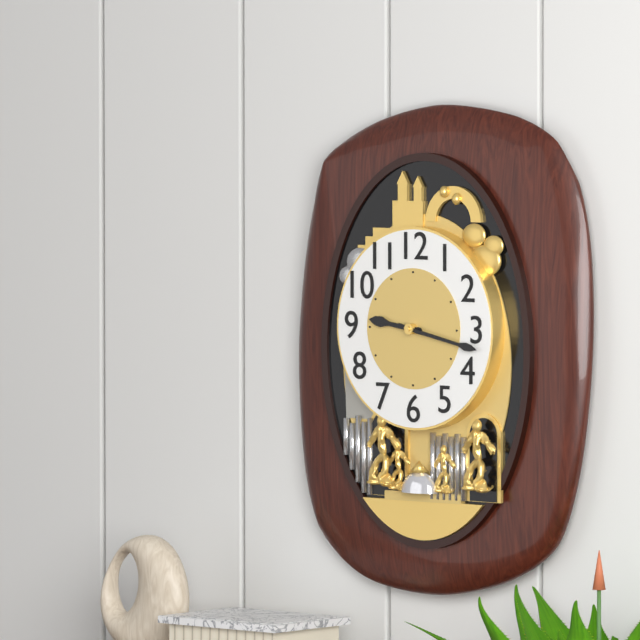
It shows 9.17
